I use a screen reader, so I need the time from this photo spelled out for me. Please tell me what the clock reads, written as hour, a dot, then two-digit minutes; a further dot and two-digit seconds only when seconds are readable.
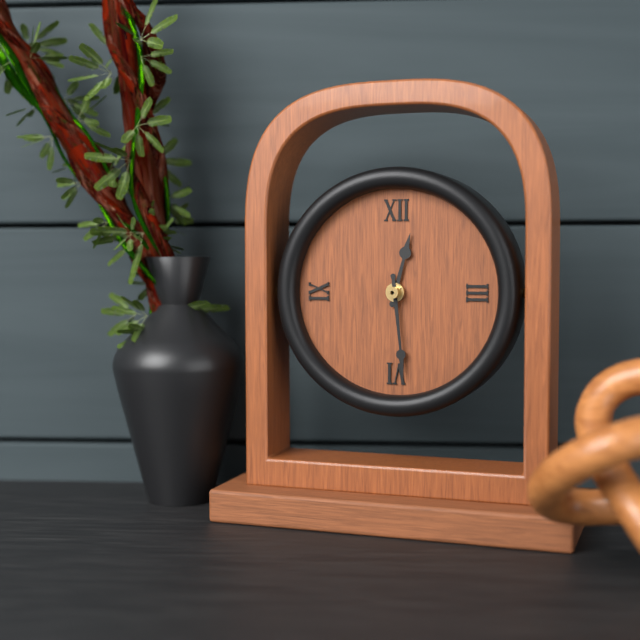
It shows 12.29
